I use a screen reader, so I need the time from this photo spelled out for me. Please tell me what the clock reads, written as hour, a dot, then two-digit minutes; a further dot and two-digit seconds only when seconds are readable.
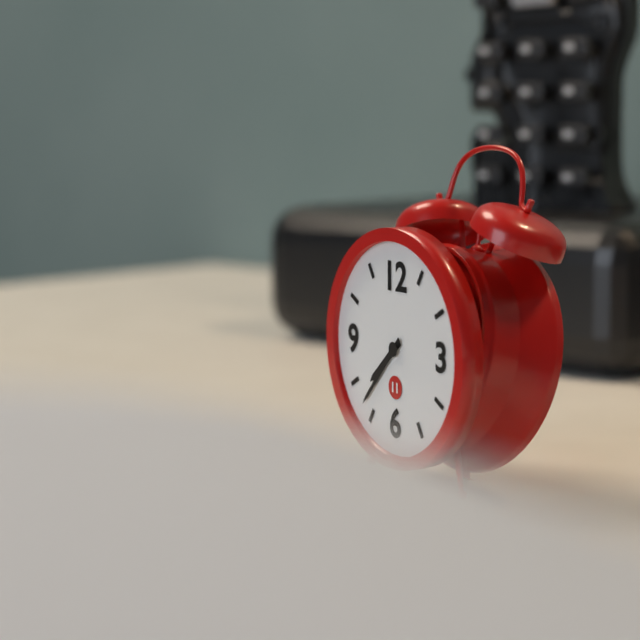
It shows 7.37
